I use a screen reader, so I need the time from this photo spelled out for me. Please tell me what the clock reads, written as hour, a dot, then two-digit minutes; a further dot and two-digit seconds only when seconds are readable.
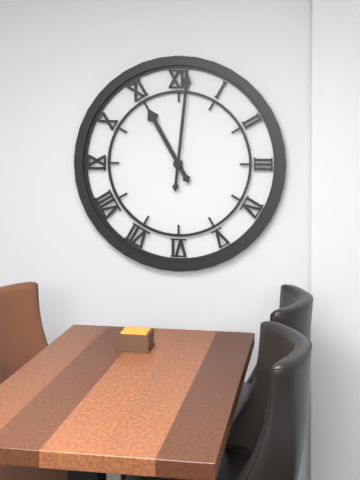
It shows 11.01
